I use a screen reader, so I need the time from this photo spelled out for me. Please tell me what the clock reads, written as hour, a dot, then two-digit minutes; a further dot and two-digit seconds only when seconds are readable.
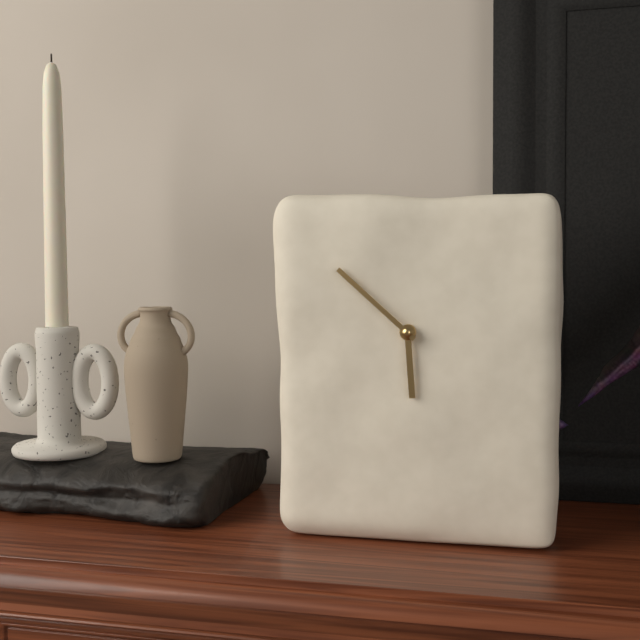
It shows 5.52
